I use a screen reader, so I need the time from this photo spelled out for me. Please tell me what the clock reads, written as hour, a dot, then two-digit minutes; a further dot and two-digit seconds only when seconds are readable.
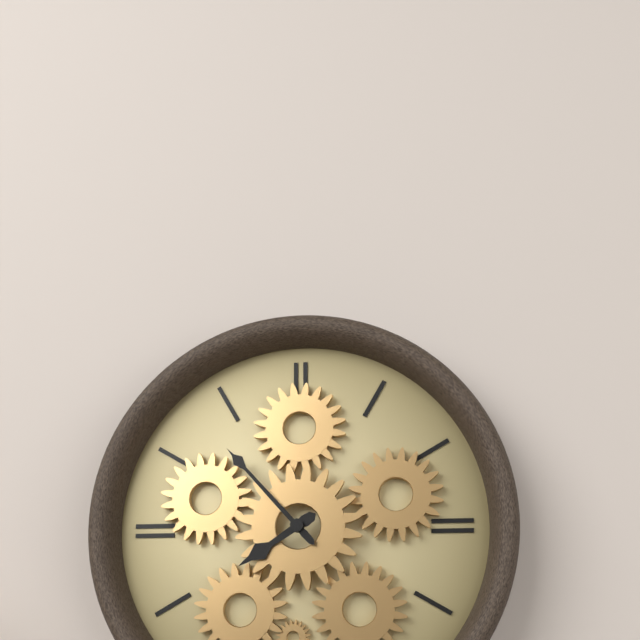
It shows 7.53
